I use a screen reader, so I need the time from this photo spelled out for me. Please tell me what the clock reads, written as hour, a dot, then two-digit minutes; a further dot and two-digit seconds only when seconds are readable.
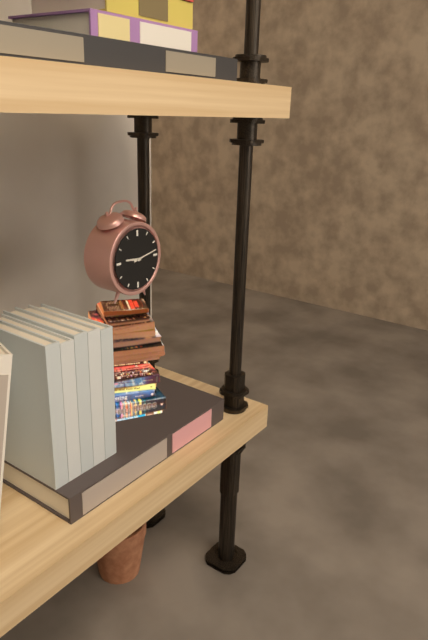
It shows 9.13
